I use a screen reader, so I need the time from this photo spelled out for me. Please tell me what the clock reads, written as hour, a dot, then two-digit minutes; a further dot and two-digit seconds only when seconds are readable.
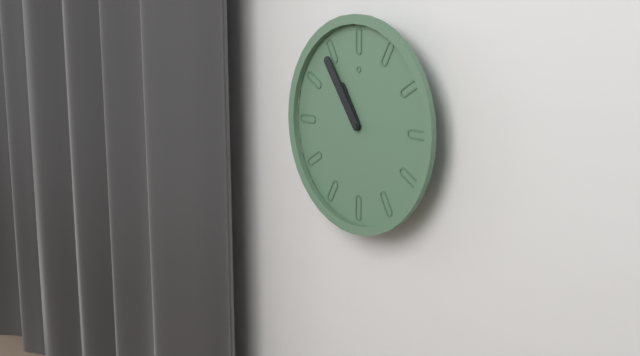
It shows 10.54
